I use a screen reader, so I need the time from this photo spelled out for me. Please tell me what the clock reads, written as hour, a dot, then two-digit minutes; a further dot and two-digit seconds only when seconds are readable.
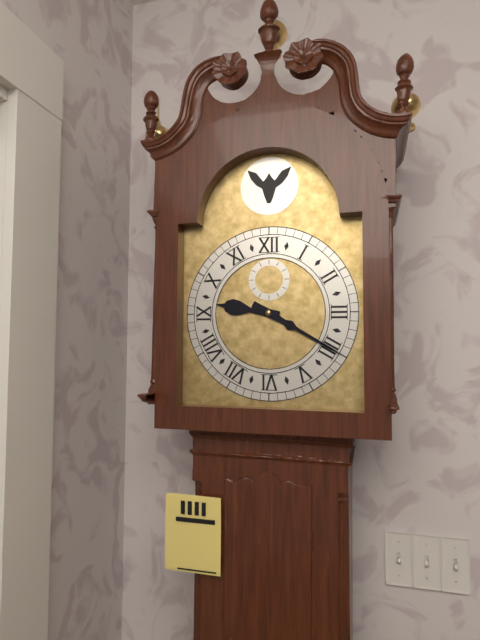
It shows 9.20
